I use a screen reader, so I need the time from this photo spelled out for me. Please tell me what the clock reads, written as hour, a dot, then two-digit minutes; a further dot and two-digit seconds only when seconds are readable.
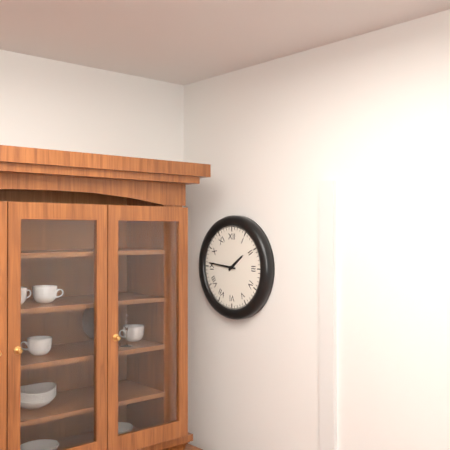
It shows 1.46
